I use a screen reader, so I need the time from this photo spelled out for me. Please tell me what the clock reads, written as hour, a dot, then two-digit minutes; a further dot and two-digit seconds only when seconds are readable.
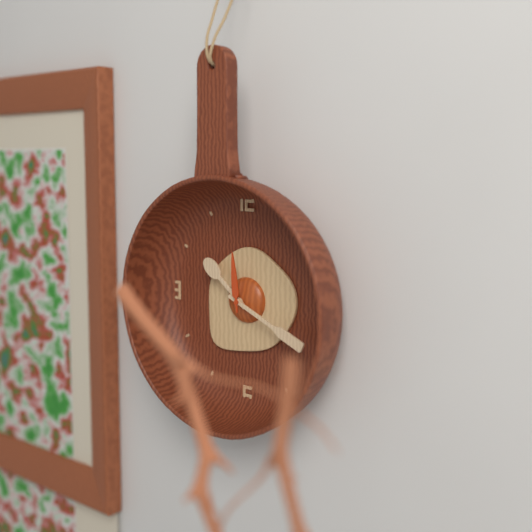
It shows 10.19.59
